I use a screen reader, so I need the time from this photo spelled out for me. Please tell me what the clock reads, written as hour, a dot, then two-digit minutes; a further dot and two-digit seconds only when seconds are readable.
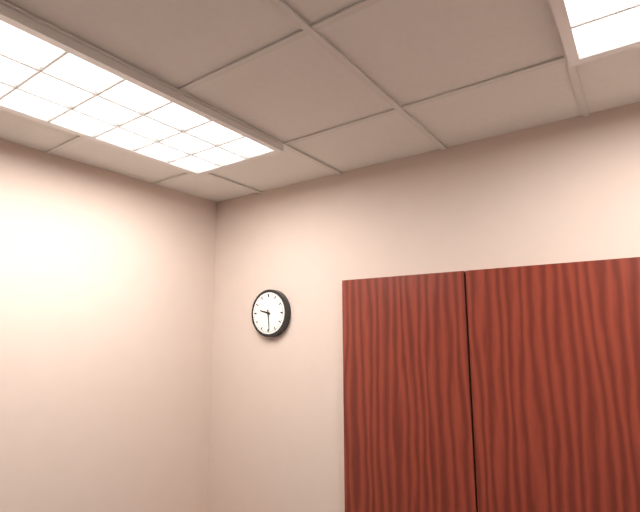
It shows 9.29
